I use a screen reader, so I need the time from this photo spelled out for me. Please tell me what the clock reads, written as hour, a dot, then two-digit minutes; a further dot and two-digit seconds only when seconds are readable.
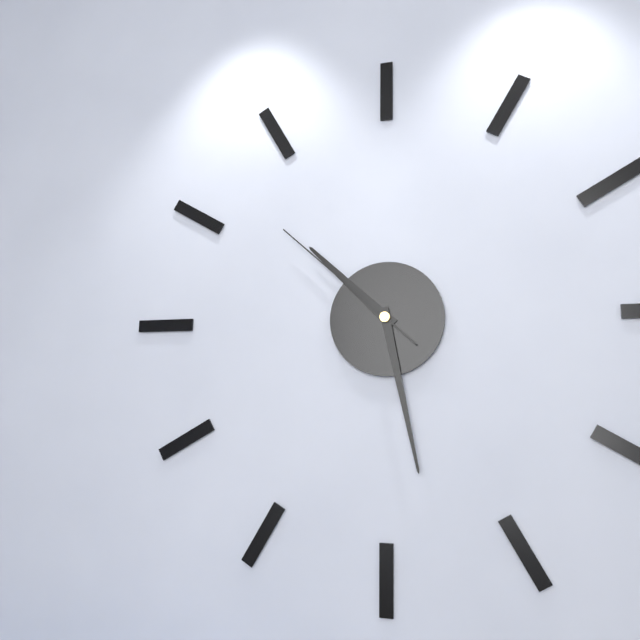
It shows 10.28.52
